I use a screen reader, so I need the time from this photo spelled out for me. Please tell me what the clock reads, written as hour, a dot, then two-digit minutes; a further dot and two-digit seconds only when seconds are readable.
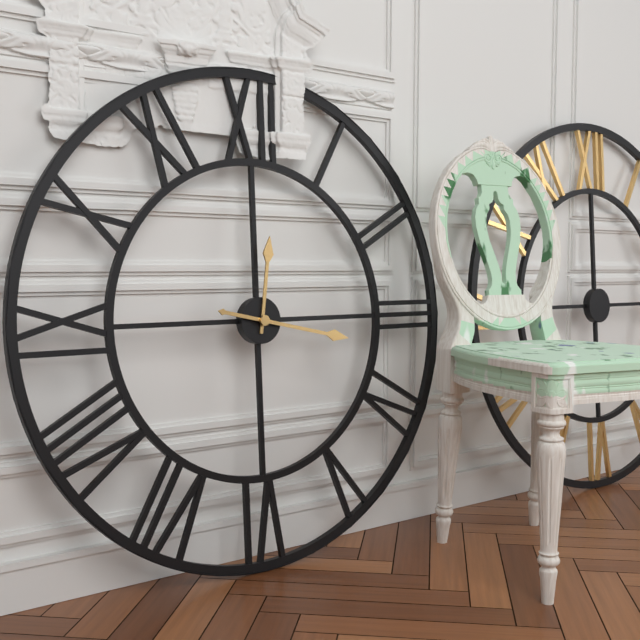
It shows 12.17
